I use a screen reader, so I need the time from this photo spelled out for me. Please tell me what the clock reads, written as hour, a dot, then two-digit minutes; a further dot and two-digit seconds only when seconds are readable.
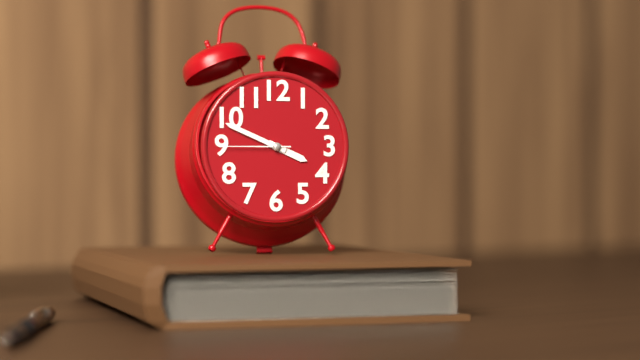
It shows 3.49.45
